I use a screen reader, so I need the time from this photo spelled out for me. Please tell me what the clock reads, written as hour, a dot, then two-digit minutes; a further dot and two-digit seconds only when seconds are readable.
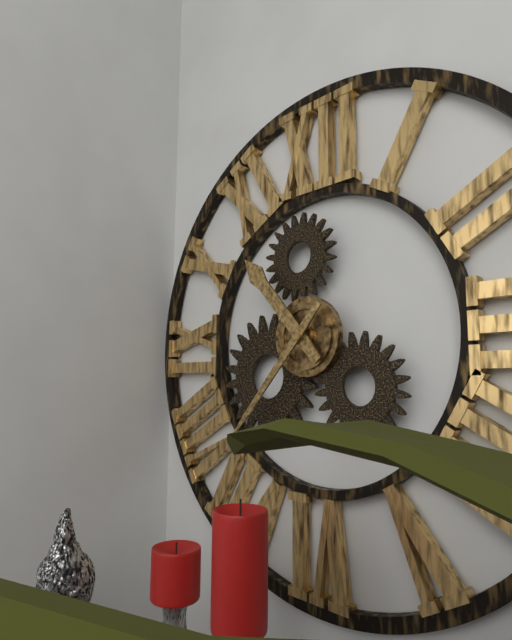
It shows 10.37
